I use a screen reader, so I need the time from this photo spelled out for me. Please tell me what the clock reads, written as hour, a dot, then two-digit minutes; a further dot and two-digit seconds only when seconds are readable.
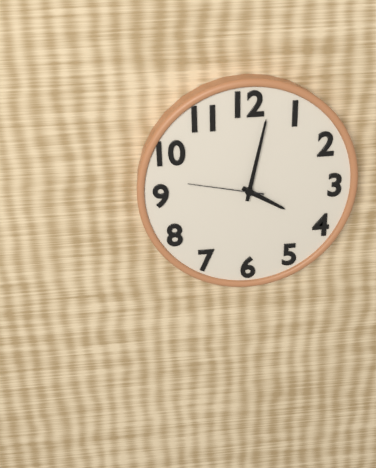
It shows 4.02.47
